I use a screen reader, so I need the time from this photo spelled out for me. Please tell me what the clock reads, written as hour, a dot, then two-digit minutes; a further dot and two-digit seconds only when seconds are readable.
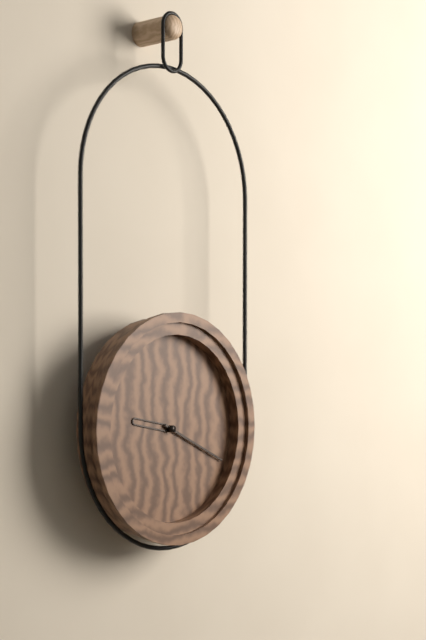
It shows 9.19
